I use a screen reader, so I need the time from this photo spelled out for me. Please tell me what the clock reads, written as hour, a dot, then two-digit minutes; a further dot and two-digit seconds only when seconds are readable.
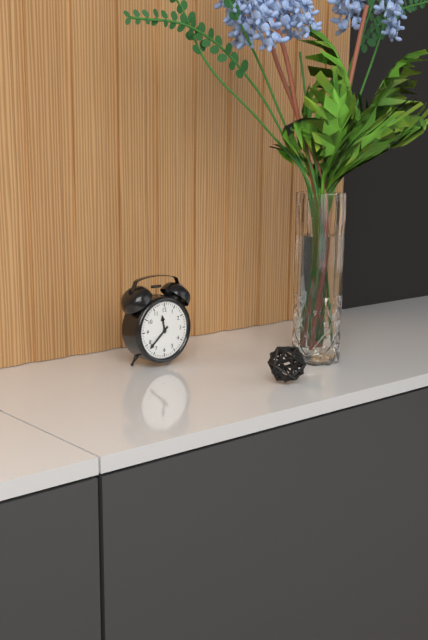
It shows 11.38
